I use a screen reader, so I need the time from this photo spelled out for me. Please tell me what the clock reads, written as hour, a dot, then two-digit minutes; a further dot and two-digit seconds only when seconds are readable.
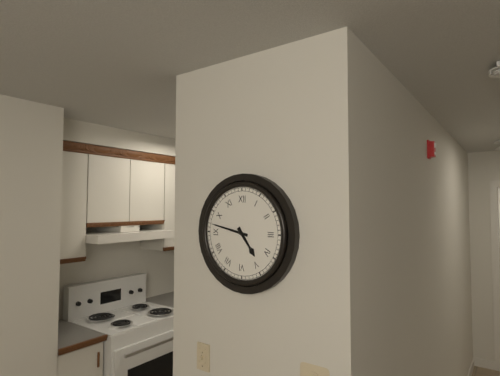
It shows 4.47
